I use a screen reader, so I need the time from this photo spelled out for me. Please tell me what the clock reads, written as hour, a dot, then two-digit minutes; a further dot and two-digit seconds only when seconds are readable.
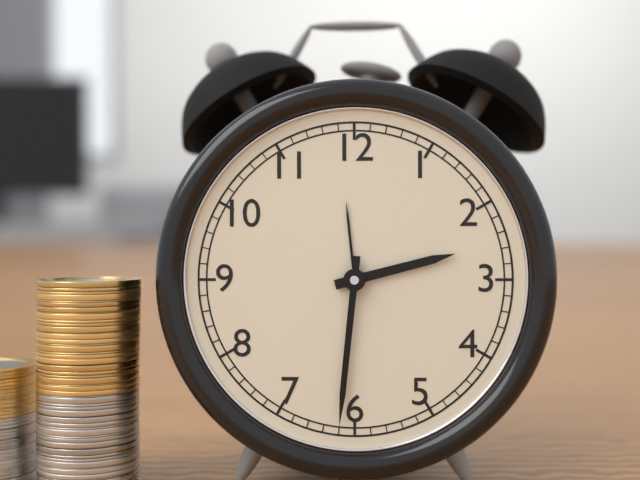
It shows 2.31
